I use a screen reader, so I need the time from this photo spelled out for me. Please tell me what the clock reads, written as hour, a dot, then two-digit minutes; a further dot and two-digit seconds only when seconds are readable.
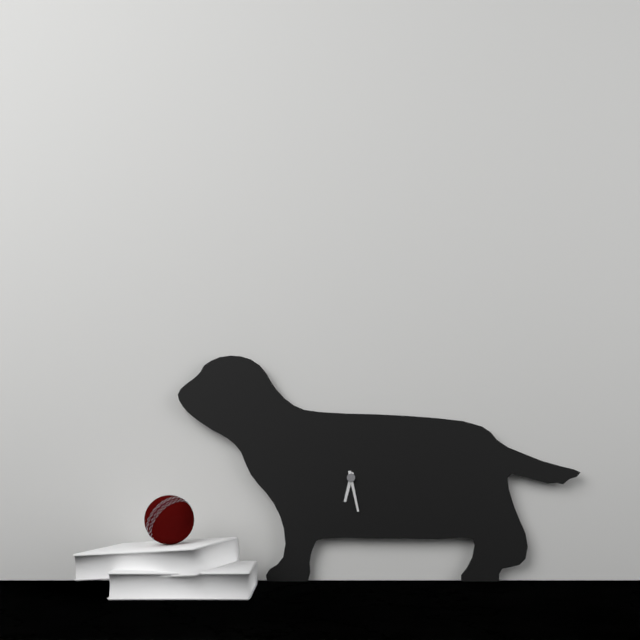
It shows 6.28
